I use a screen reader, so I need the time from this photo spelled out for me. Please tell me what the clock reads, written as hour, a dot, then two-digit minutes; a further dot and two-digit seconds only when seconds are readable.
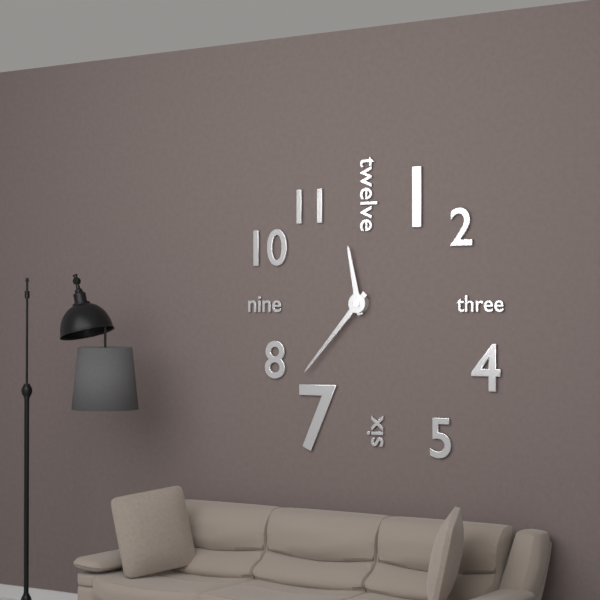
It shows 11.37
